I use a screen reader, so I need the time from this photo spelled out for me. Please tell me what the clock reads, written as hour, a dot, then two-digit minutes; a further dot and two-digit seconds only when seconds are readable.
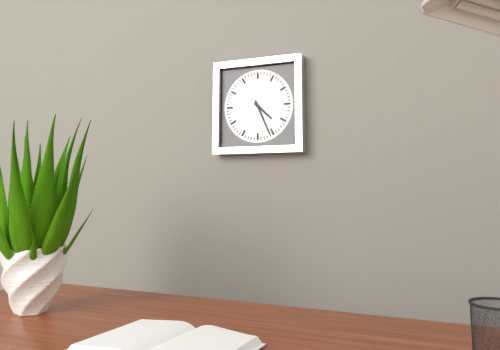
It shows 4.26
